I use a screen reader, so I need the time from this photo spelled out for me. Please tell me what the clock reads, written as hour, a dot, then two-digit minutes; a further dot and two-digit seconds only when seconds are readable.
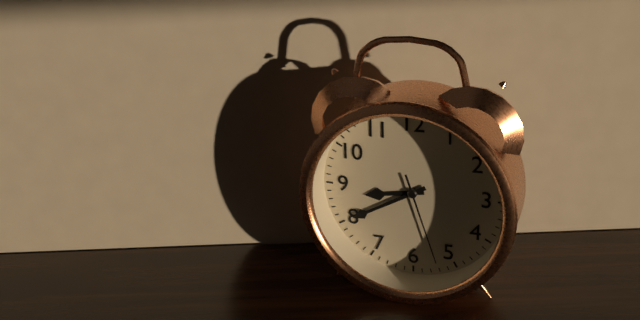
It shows 8.40.27
